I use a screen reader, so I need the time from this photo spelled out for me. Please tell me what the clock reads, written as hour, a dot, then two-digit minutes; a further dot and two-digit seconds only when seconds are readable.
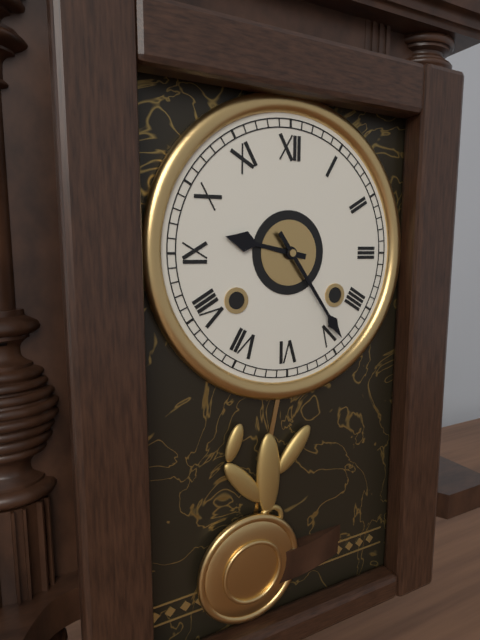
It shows 9.24
